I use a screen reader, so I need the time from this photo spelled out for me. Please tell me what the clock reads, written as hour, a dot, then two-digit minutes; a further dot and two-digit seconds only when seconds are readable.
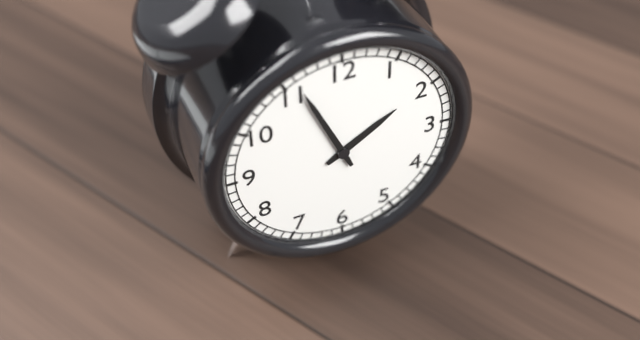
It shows 1.56
